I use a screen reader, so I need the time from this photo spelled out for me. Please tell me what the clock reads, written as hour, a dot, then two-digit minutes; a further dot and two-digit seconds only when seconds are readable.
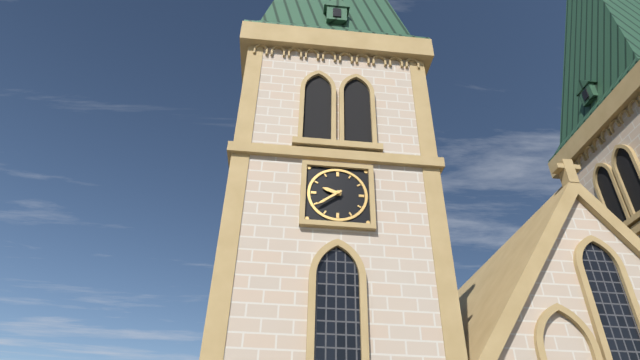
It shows 9.39
